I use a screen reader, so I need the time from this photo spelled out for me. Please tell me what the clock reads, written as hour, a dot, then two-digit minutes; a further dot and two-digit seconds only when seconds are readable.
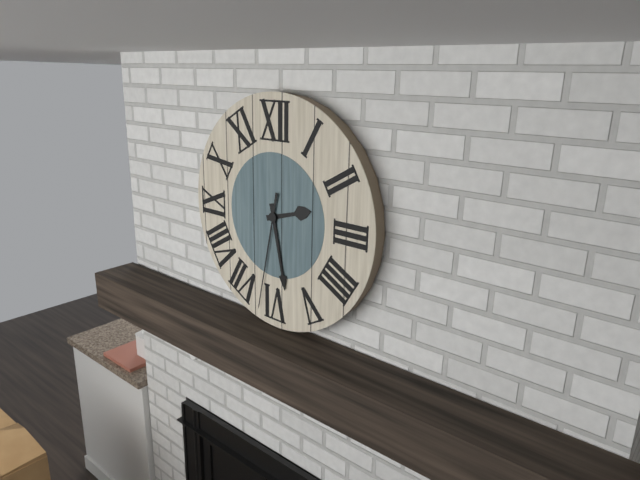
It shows 2.28.32
